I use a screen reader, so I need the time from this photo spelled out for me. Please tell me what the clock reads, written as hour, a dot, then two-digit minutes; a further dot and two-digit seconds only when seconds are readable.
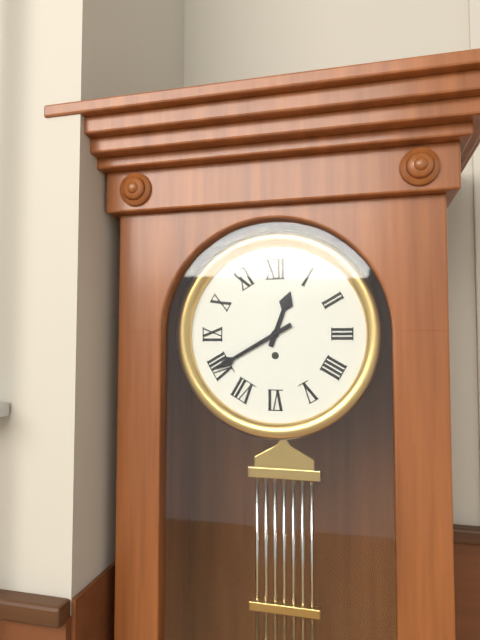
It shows 12.40
